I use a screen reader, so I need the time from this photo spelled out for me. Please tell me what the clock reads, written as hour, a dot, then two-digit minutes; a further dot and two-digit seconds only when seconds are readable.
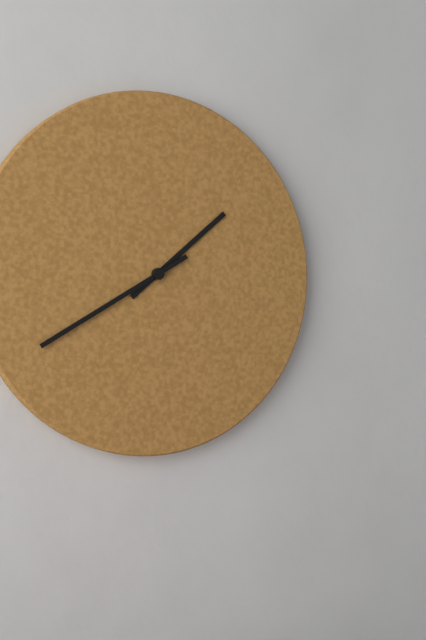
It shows 1.40
